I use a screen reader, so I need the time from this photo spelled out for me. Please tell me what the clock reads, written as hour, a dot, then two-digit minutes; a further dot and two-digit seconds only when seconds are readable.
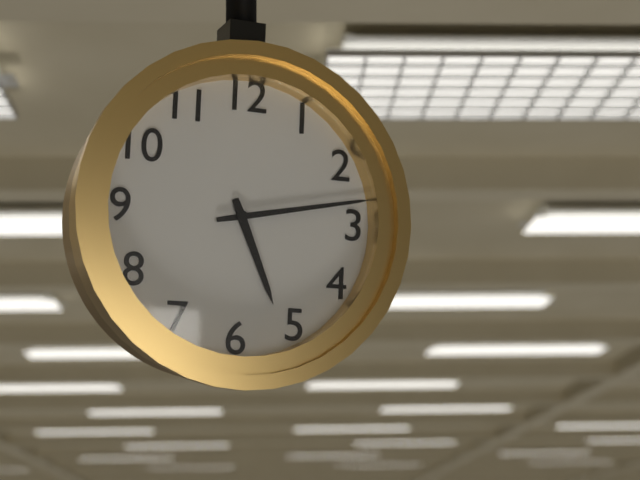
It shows 5.13
